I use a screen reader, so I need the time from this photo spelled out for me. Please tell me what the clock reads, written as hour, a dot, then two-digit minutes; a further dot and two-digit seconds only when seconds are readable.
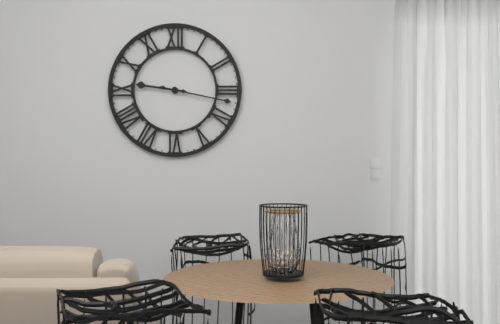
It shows 9.17
